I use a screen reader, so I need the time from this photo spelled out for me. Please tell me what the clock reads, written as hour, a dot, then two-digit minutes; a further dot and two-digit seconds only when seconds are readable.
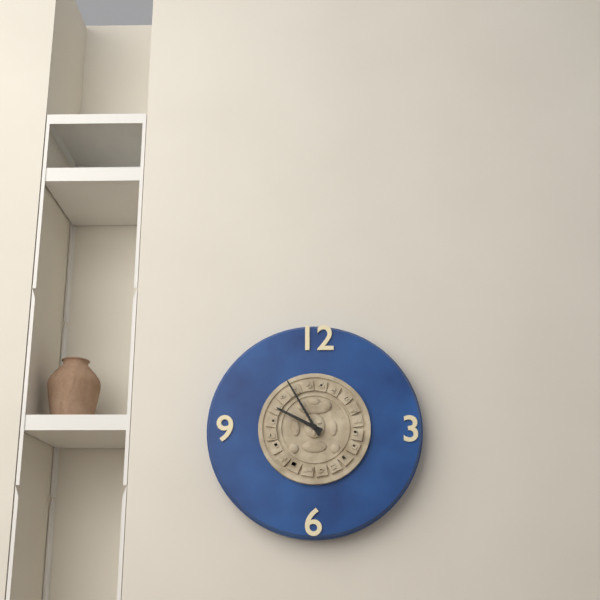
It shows 9.55
